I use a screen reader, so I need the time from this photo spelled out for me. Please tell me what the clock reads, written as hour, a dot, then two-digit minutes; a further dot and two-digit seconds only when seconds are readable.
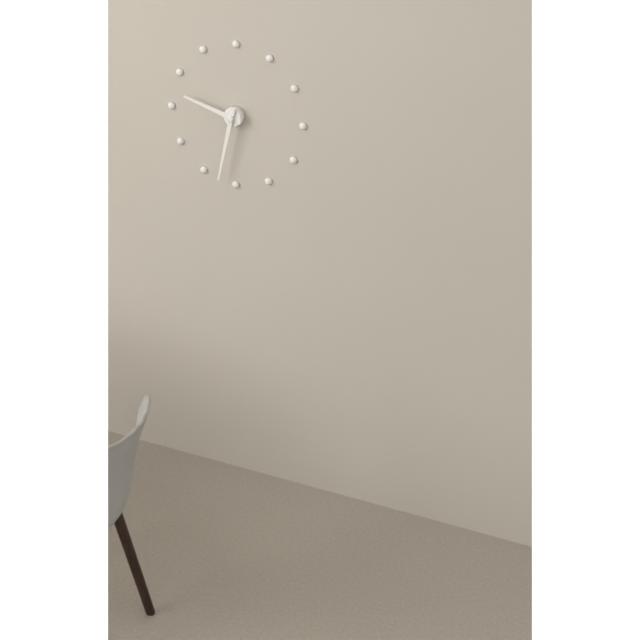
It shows 9.32
